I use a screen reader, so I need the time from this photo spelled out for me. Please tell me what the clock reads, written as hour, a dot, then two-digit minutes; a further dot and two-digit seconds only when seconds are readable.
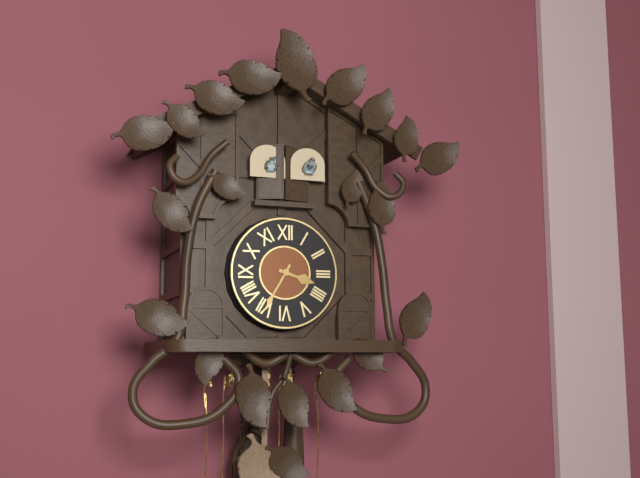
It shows 3.35
